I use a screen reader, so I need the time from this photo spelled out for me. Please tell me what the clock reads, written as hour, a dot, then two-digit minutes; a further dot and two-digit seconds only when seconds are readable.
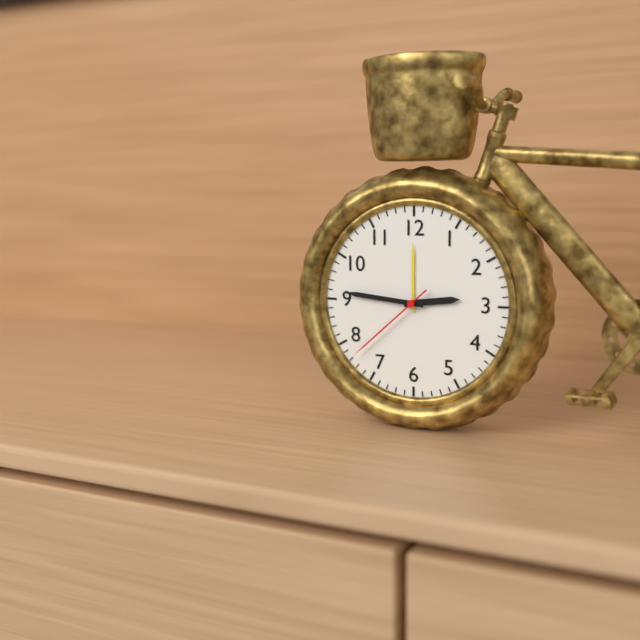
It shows 2.46.38
